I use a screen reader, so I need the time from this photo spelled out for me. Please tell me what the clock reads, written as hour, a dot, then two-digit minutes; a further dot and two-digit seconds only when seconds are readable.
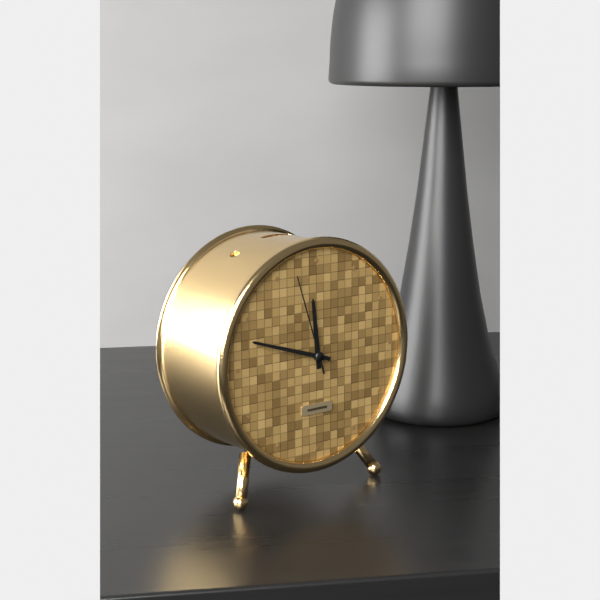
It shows 11.48.57
